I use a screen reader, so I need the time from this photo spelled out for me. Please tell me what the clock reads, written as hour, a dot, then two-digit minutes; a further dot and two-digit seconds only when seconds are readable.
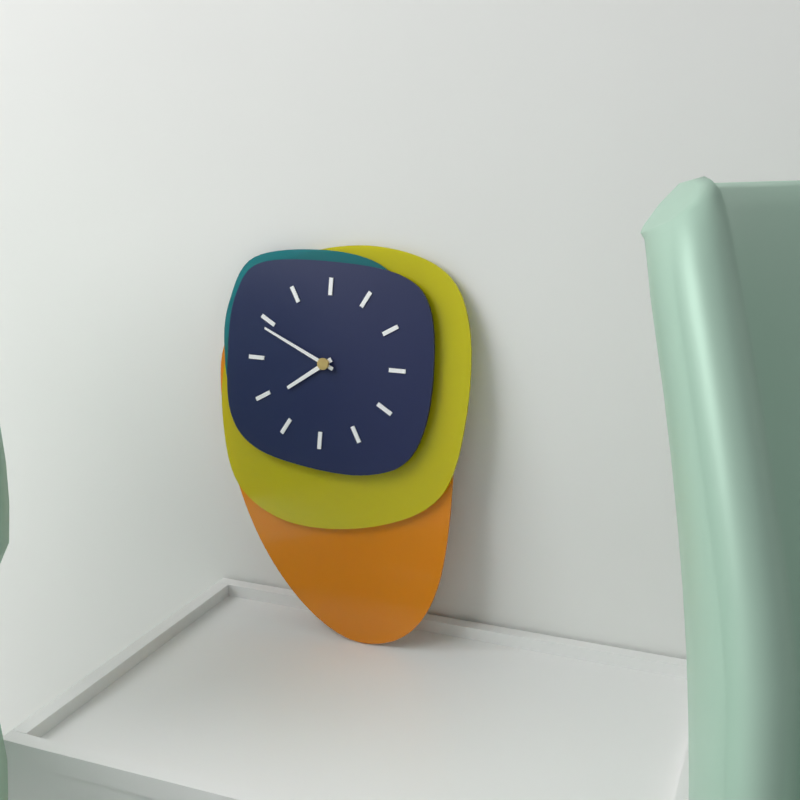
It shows 7.49
